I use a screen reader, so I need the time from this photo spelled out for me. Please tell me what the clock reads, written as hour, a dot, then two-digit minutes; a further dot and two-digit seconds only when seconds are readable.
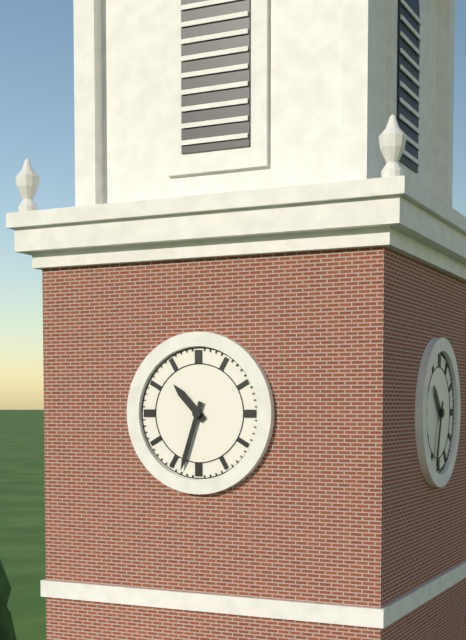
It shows 10.33
